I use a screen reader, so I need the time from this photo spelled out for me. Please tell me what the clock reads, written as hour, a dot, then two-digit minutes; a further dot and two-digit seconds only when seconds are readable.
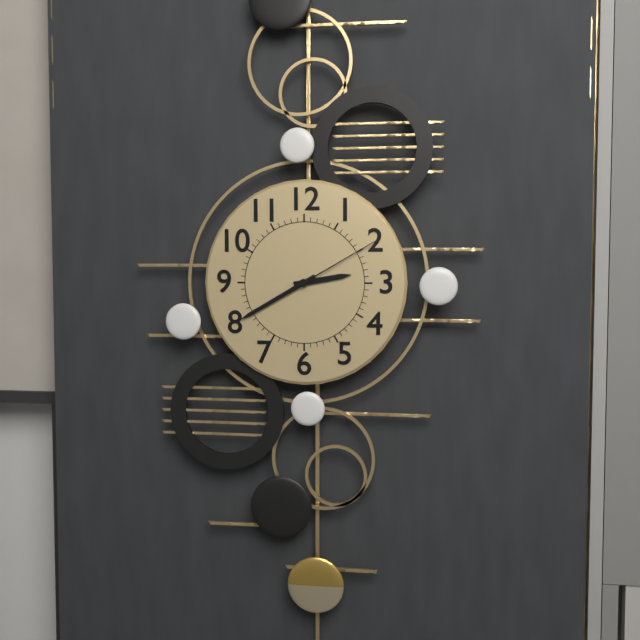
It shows 2.40.10
